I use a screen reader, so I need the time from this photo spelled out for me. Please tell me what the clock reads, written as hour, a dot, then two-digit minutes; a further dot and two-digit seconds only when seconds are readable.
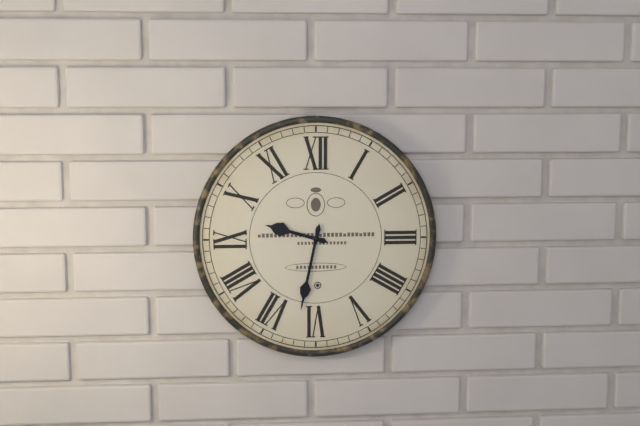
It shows 9.32
